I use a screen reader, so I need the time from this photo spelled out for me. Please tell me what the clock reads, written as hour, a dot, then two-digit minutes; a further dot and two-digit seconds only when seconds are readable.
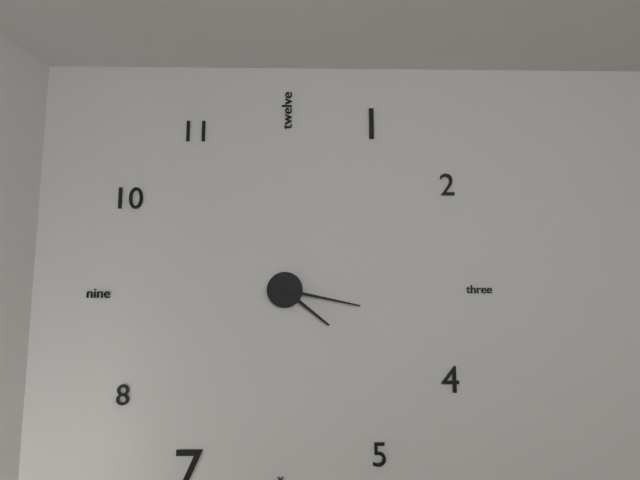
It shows 4.17
